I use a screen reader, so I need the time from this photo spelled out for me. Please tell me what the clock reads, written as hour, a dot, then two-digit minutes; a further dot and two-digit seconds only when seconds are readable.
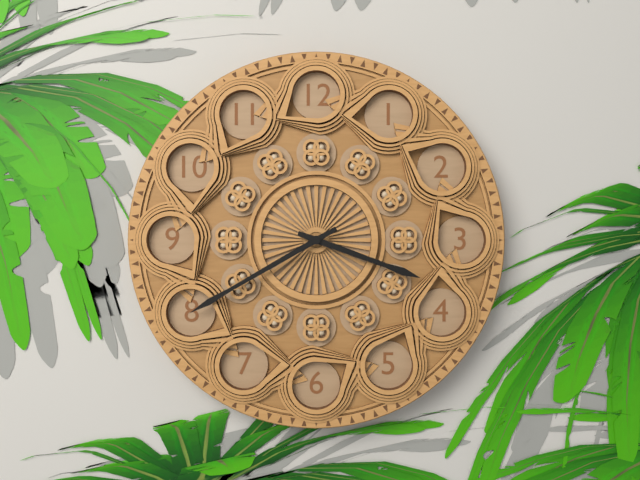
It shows 3.40
